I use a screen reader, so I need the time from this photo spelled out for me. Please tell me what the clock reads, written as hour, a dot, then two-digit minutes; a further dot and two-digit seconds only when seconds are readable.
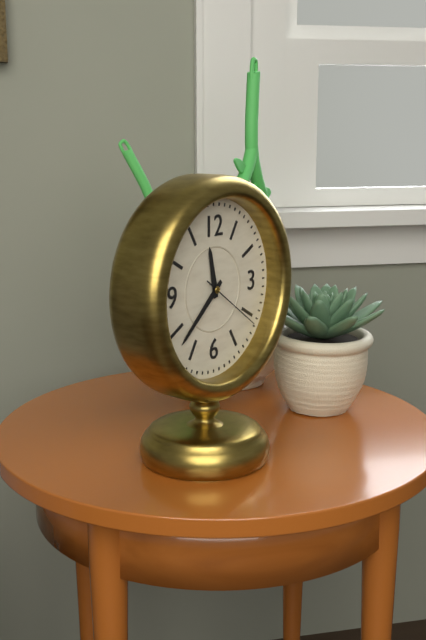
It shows 11.38.21
